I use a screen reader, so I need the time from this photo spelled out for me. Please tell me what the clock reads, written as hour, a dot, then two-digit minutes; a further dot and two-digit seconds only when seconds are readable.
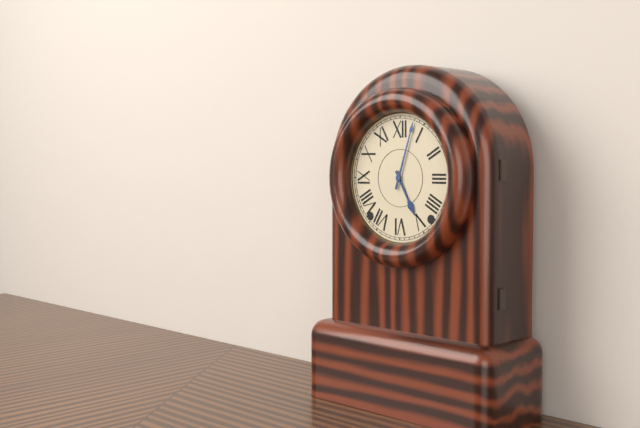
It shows 5.03
